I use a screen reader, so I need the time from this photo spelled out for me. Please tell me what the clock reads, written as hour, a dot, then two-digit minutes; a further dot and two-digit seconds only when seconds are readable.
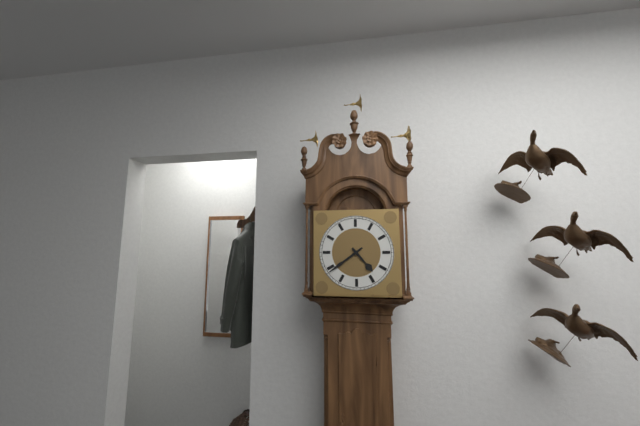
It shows 4.39
